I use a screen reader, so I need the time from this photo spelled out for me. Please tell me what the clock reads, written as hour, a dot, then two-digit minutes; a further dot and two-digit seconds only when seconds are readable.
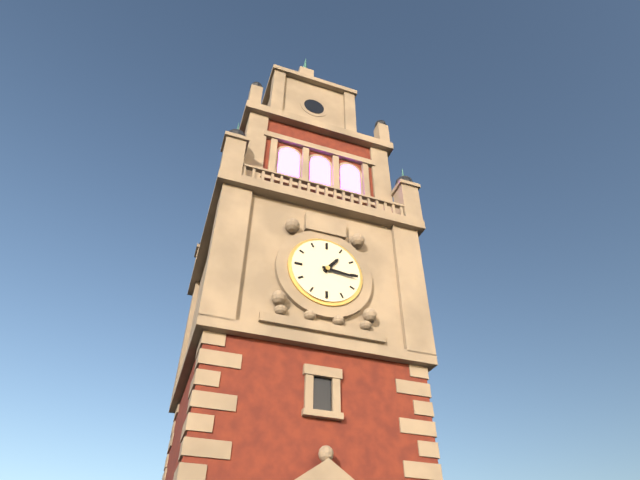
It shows 1.16
